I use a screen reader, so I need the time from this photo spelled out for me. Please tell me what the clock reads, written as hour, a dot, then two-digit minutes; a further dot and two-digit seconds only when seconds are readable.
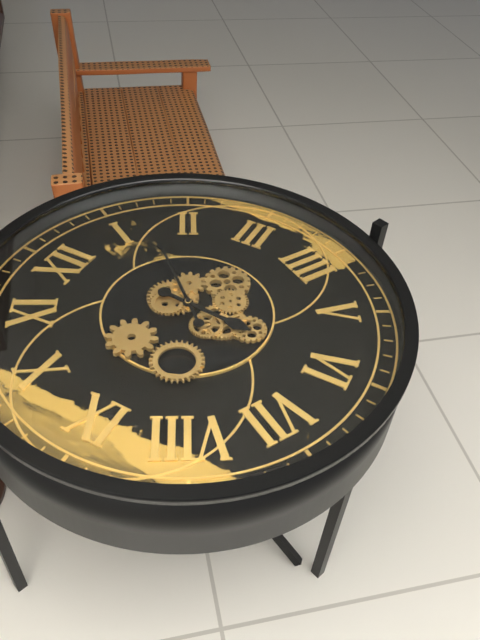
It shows 6.07
